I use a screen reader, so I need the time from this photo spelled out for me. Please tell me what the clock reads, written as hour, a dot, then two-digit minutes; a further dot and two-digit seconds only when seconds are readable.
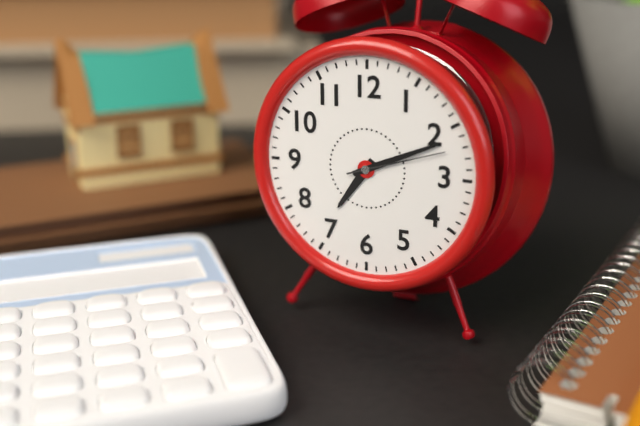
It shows 7.11.12
